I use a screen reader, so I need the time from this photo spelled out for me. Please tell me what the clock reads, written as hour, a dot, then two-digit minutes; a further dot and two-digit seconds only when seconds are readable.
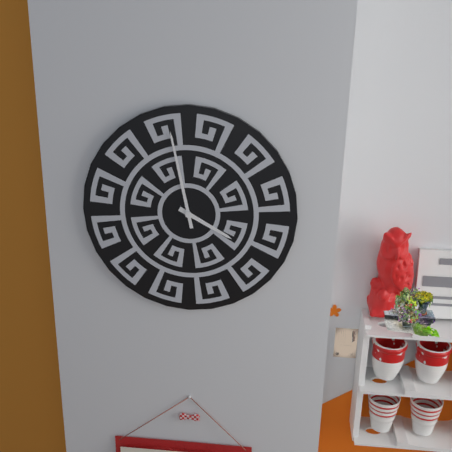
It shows 3.58
